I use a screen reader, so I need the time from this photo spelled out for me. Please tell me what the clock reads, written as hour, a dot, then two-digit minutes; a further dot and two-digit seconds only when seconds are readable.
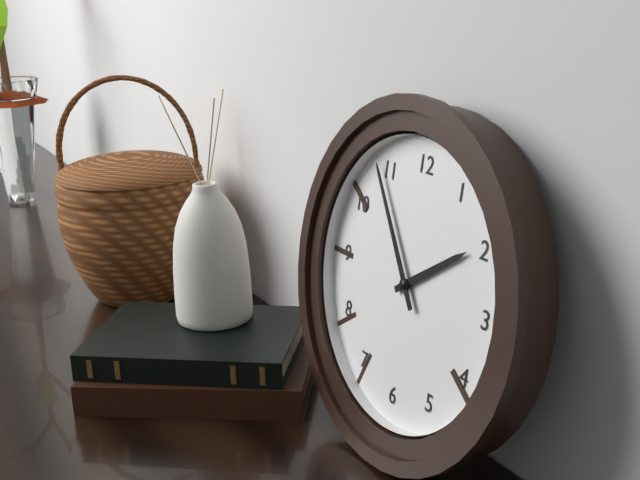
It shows 1.54
